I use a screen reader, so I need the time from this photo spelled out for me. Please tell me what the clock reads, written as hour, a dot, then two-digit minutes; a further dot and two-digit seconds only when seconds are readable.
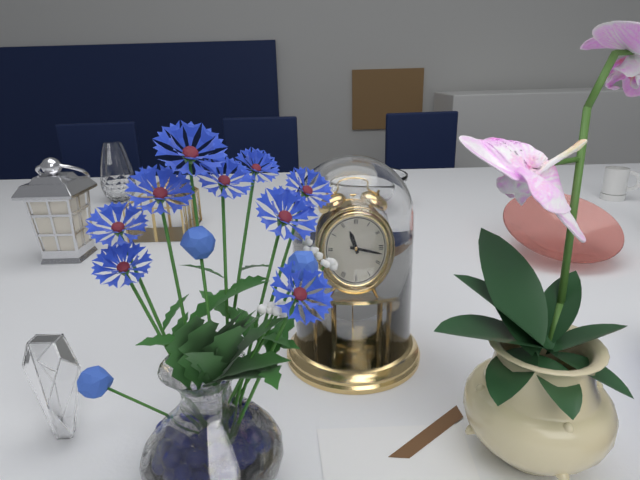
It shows 11.17
